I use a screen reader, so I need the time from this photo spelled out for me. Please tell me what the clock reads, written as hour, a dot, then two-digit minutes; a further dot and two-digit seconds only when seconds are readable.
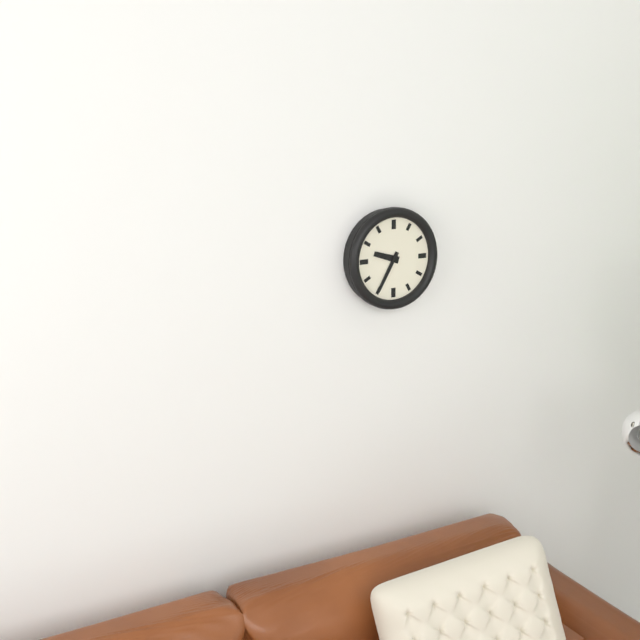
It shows 9.35
